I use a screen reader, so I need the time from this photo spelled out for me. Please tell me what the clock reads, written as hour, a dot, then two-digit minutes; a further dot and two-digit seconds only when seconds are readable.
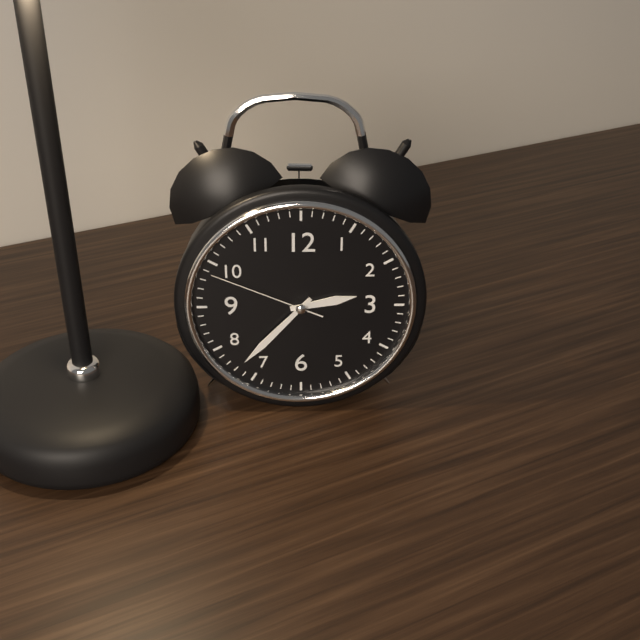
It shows 2.37.49
